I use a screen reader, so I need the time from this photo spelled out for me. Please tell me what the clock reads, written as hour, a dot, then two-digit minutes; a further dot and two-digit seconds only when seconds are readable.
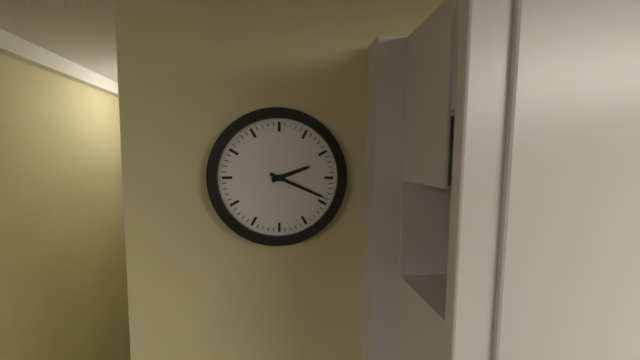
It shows 2.19
